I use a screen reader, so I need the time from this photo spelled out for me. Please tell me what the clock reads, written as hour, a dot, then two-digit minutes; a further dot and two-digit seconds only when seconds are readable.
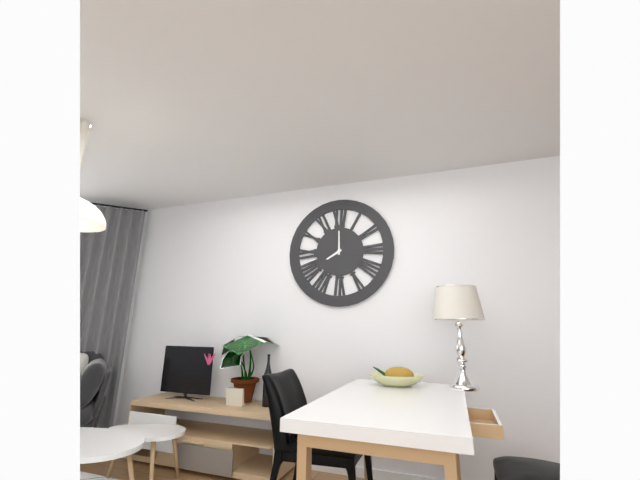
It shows 8.00
